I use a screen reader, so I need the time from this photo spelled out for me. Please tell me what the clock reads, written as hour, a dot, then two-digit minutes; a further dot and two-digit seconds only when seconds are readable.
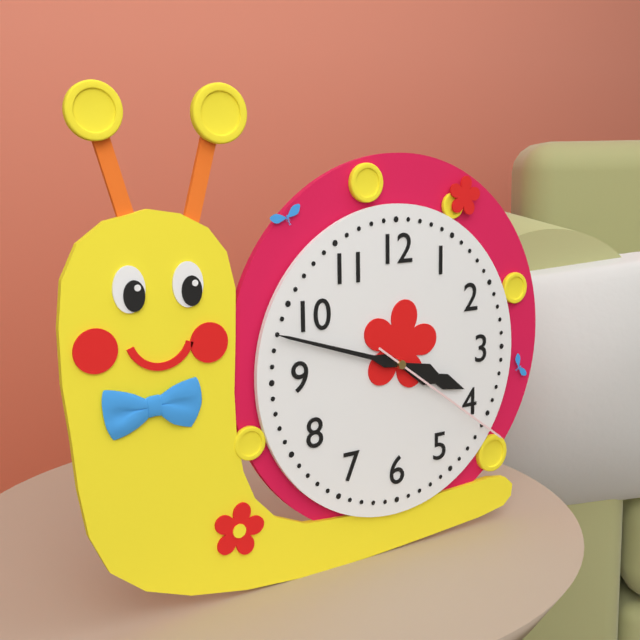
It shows 3.48.21
